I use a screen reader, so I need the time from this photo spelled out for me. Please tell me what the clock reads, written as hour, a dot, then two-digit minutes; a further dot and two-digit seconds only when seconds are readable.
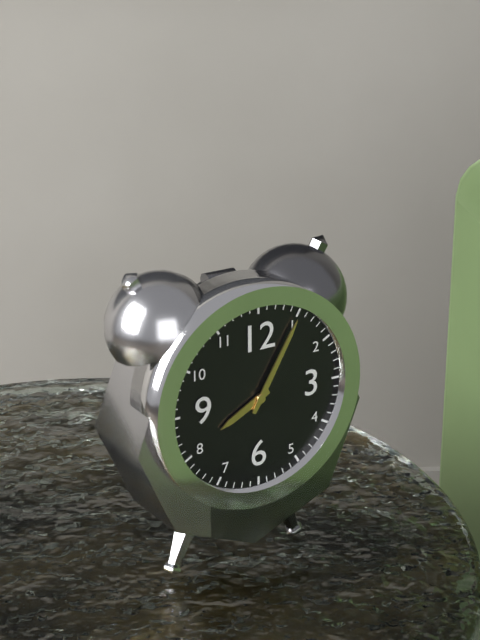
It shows 8.05
